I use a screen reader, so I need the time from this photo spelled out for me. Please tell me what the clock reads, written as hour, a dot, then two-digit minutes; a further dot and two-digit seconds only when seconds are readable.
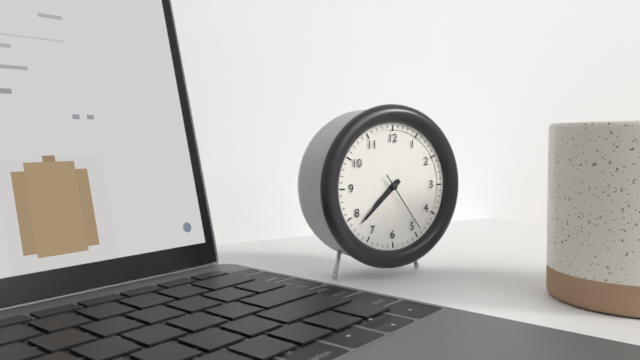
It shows 7.38.24
